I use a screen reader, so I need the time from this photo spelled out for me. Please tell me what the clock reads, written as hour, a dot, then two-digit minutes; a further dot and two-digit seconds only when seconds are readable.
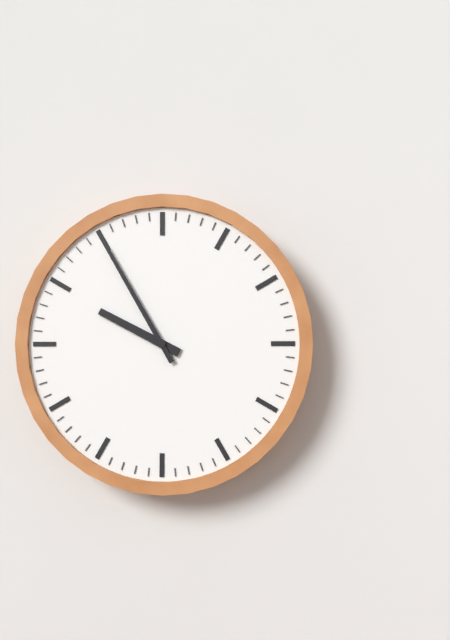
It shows 9.55
